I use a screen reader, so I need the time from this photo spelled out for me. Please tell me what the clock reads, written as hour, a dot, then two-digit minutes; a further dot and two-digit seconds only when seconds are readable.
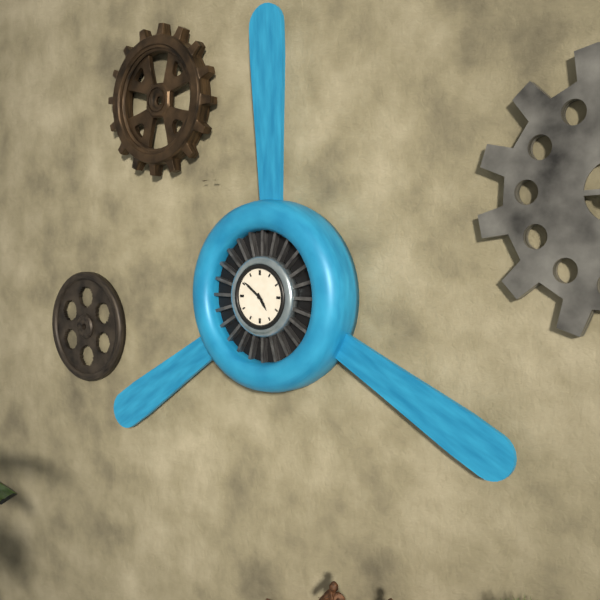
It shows 4.51
